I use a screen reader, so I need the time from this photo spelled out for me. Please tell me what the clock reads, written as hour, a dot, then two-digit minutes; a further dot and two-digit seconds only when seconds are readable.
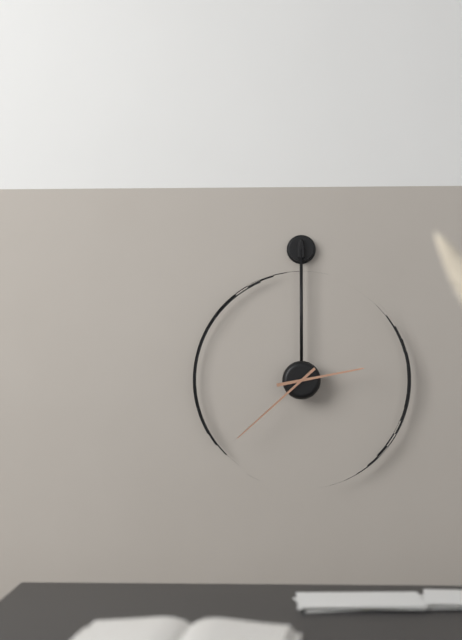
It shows 2.38
